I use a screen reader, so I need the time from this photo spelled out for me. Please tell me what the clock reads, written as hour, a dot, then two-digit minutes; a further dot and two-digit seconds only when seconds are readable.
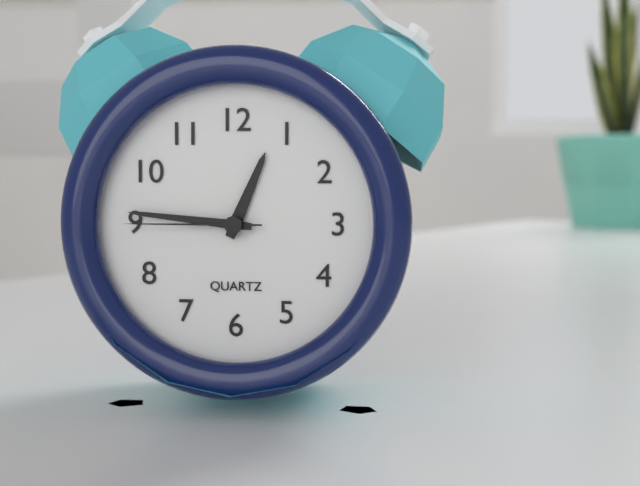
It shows 12.46.45
